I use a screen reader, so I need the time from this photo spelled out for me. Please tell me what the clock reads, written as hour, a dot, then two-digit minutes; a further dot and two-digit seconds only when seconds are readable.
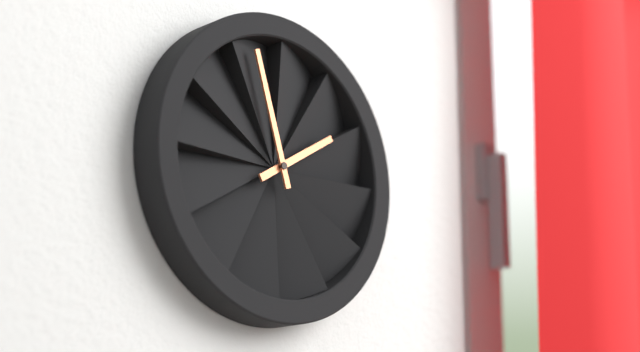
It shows 1.57
